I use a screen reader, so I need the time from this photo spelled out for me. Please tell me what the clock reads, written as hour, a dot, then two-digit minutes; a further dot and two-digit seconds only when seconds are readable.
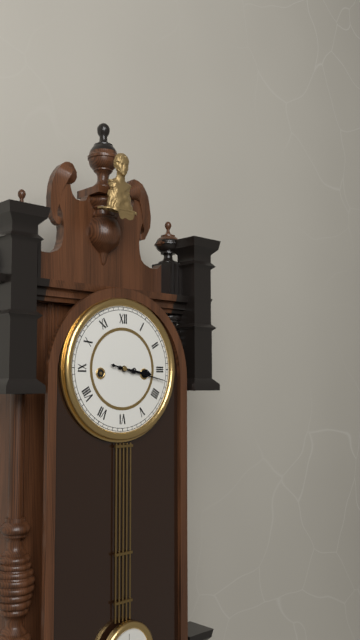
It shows 3.17
